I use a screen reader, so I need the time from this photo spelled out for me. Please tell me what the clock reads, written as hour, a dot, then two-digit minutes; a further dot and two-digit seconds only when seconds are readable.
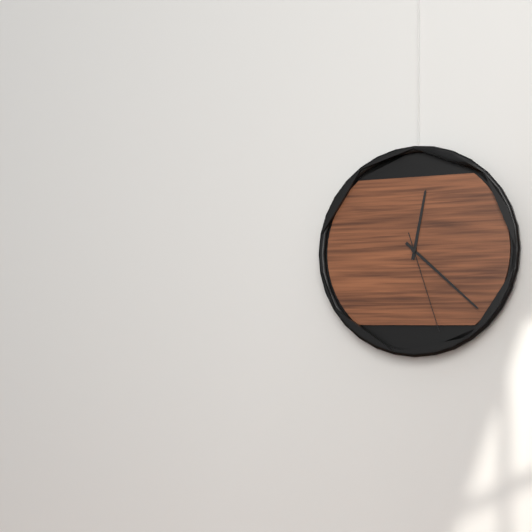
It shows 12.22.27
